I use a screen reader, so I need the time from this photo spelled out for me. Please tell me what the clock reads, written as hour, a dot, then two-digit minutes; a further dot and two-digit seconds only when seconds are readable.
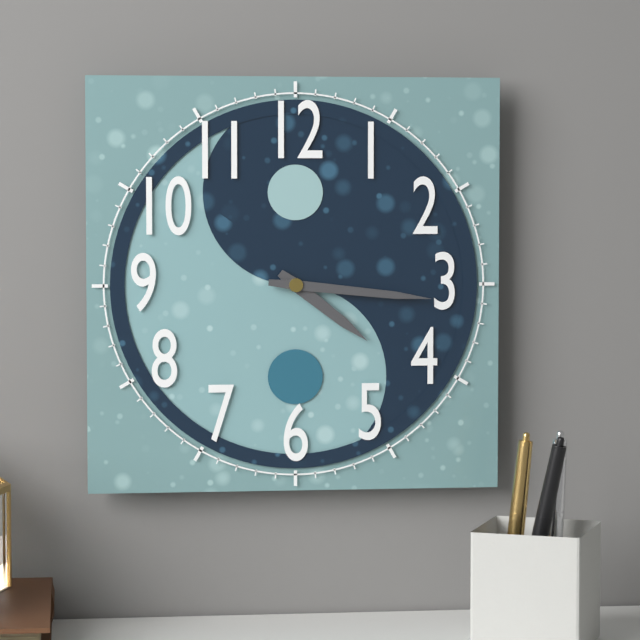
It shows 4.16
